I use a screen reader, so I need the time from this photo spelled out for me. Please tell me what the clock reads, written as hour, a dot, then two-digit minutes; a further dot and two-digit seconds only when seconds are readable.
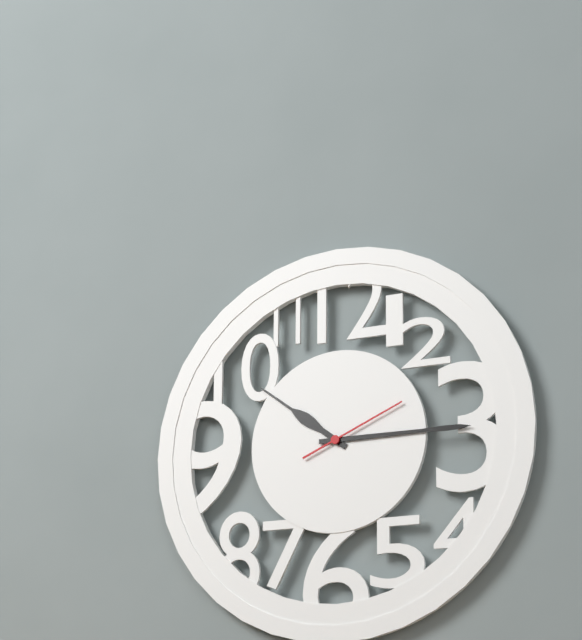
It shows 10.15.11
